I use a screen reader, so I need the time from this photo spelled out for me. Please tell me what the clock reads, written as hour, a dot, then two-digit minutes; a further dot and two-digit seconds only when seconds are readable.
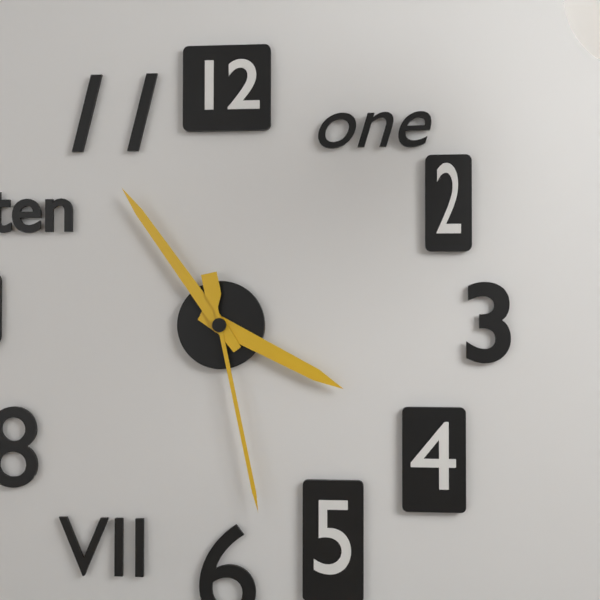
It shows 3.54.28
